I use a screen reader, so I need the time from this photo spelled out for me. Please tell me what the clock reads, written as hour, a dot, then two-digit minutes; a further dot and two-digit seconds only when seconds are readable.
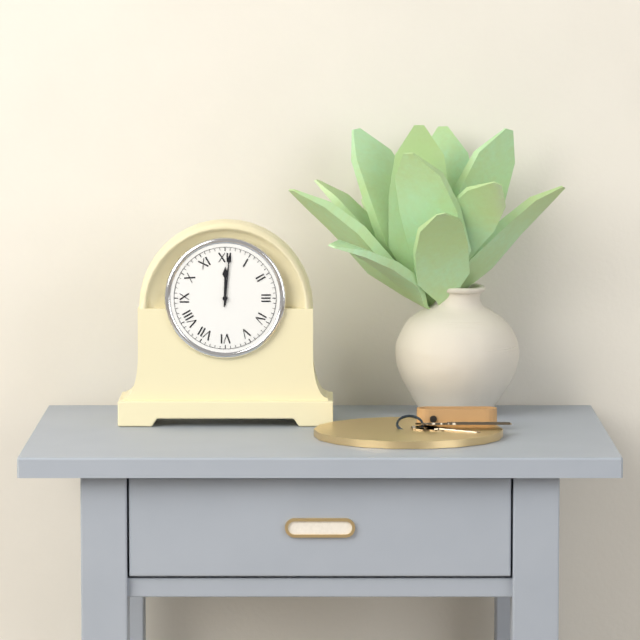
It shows 12.01
